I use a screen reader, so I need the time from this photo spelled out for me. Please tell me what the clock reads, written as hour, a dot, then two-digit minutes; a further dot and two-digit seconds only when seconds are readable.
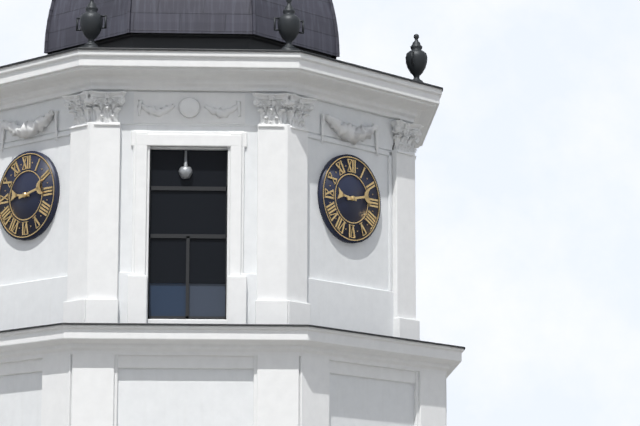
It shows 9.13
